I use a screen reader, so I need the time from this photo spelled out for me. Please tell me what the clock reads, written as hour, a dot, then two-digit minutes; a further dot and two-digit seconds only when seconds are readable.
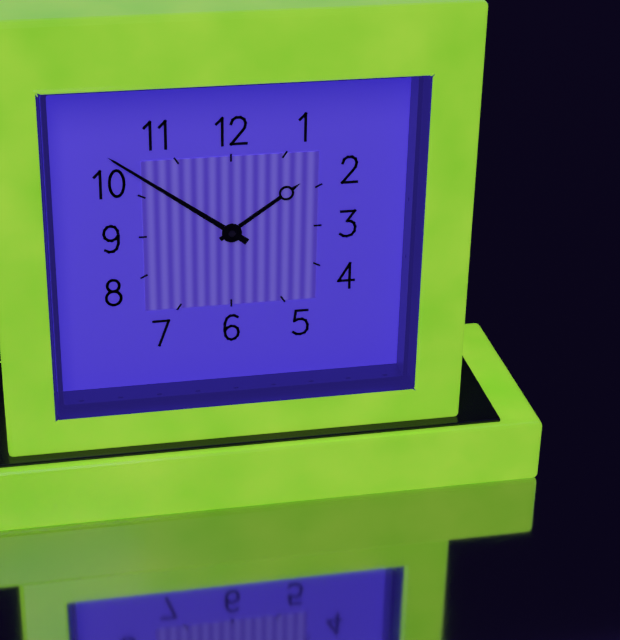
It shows 1.51
